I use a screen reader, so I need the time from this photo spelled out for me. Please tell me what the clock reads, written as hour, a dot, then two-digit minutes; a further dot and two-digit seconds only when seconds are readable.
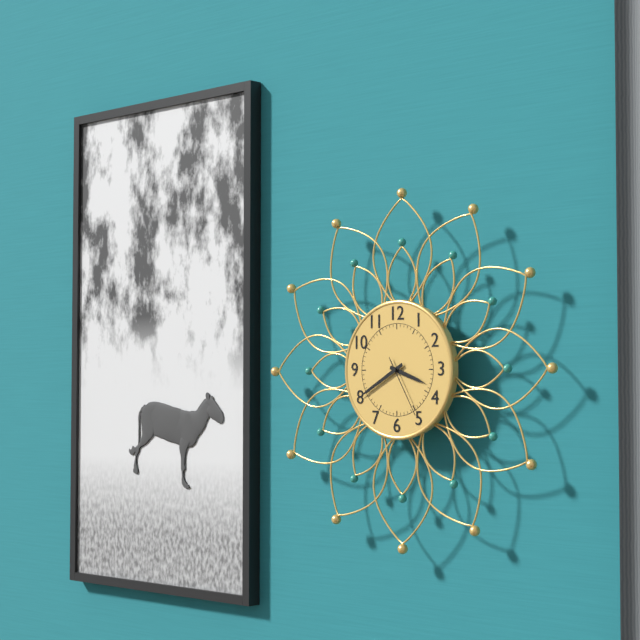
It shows 3.40.25
